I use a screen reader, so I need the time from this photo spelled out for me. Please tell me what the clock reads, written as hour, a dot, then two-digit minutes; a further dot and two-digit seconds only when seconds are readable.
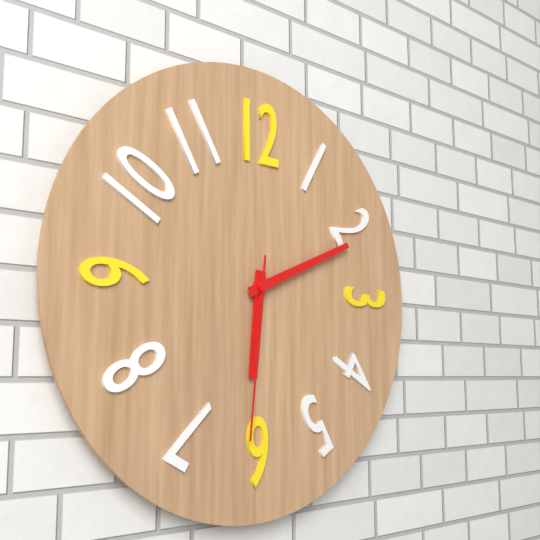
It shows 6.11.31
